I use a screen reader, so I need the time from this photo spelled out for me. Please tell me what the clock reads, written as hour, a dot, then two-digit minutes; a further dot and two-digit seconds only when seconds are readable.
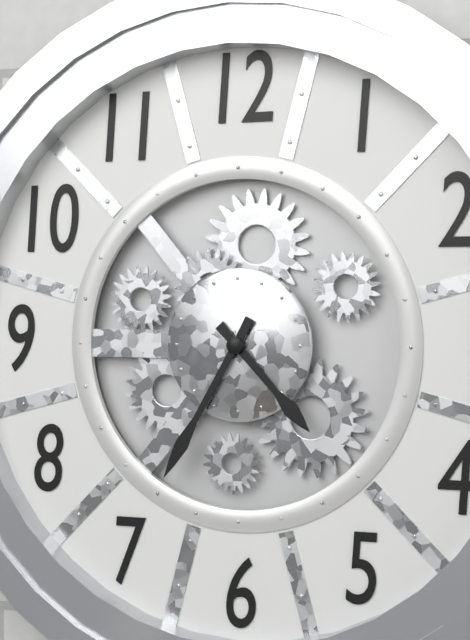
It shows 4.35
